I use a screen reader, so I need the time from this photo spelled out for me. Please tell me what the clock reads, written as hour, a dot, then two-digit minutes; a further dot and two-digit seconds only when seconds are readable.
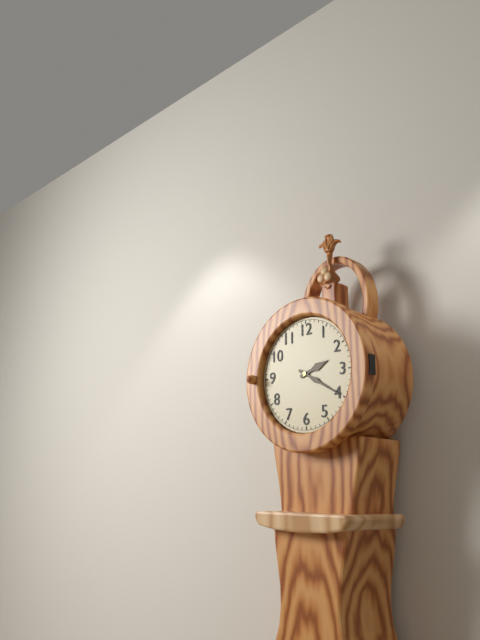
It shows 2.20
